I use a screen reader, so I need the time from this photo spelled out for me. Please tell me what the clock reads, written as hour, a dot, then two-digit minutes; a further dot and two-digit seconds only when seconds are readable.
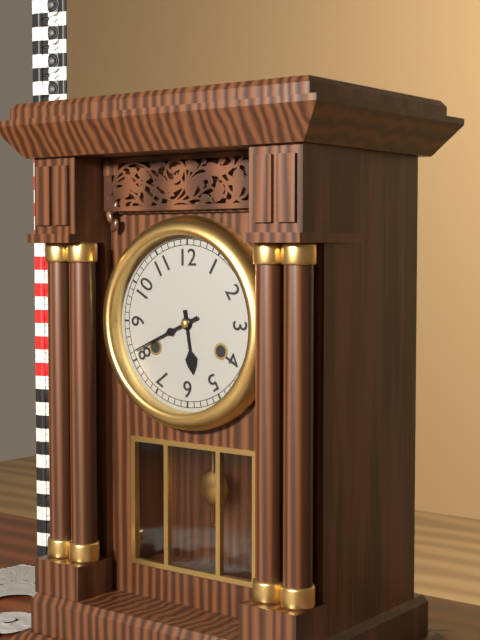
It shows 5.41
